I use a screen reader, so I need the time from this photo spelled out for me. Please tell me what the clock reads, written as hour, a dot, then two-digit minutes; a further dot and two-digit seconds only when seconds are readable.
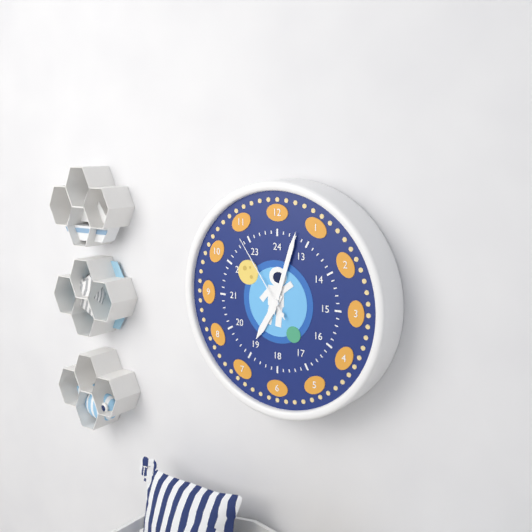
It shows 7.03.54
